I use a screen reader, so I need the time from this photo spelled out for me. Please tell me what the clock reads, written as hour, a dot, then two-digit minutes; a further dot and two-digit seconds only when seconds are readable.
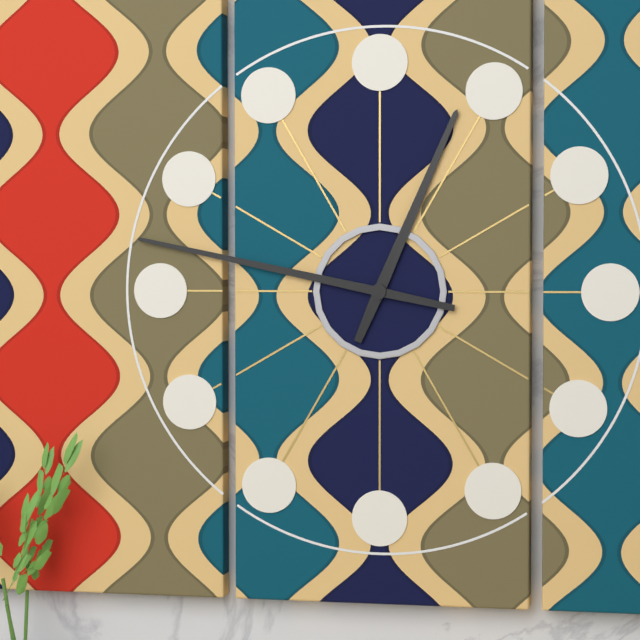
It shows 12.47
